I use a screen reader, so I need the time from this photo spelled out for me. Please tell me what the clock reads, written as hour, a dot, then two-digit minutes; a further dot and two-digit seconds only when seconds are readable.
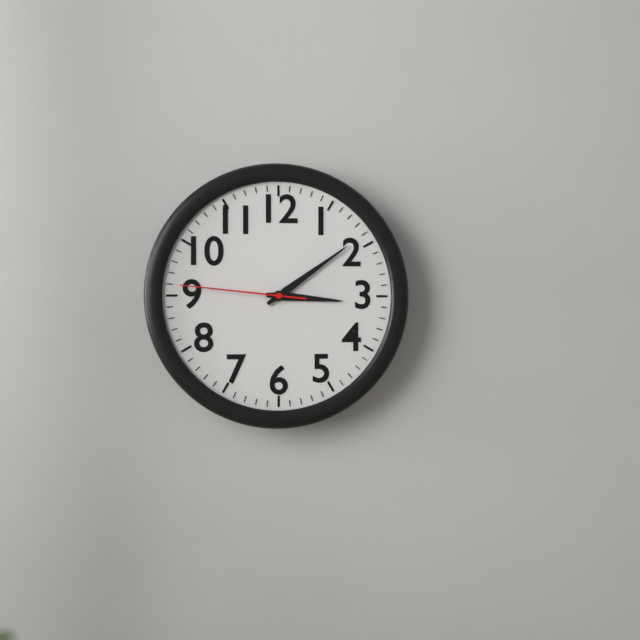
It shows 3.09.46
